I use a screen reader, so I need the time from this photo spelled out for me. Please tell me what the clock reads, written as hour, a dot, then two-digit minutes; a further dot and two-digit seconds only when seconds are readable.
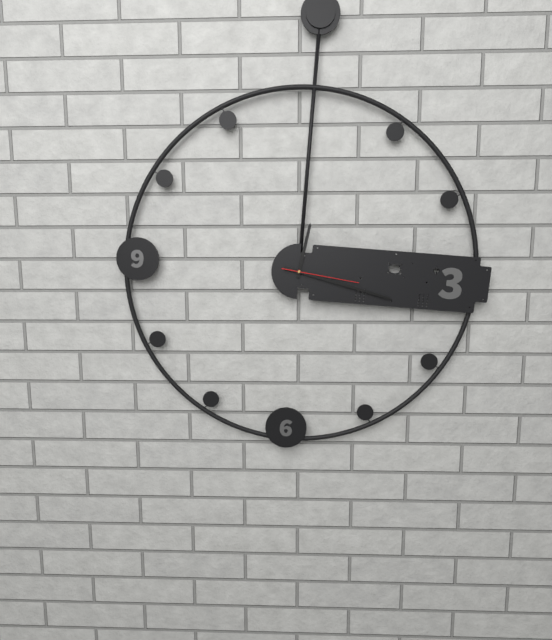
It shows 12.17.16
